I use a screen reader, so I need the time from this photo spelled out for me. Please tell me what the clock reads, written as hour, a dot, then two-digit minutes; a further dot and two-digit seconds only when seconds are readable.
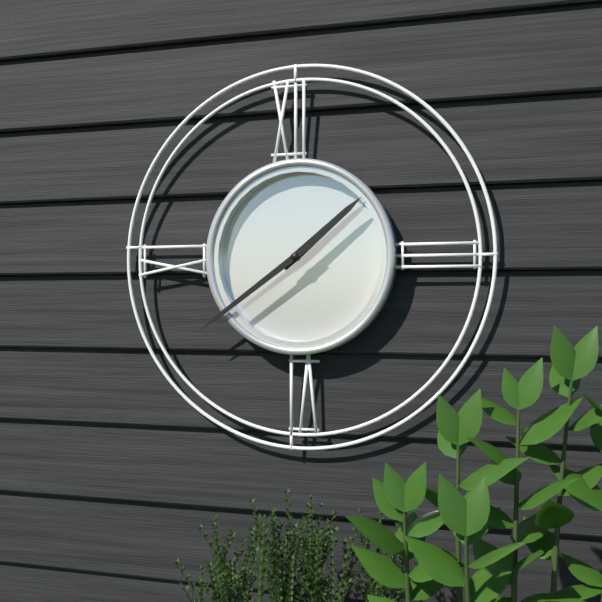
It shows 1.39
